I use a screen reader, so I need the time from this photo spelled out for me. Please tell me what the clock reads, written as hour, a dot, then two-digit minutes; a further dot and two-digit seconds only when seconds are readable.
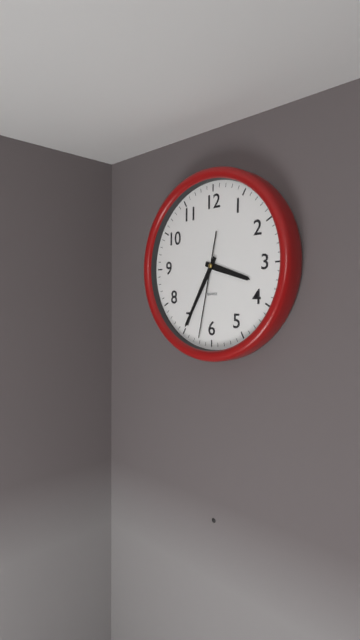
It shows 3.35.32
